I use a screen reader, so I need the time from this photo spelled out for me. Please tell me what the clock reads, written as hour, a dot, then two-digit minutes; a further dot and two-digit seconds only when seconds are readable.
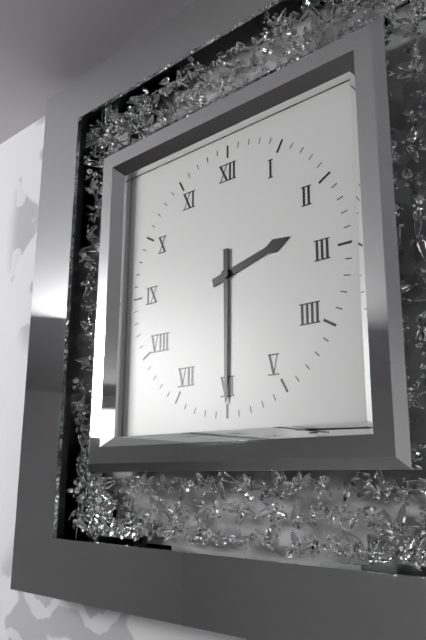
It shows 2.30
